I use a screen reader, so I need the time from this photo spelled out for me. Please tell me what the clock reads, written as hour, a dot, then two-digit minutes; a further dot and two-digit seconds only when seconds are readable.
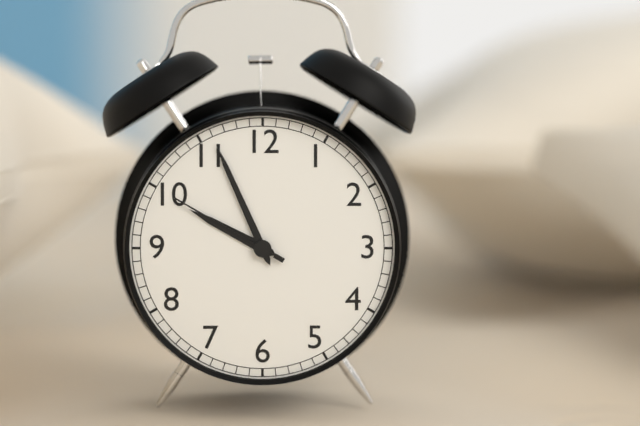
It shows 9.56.50
